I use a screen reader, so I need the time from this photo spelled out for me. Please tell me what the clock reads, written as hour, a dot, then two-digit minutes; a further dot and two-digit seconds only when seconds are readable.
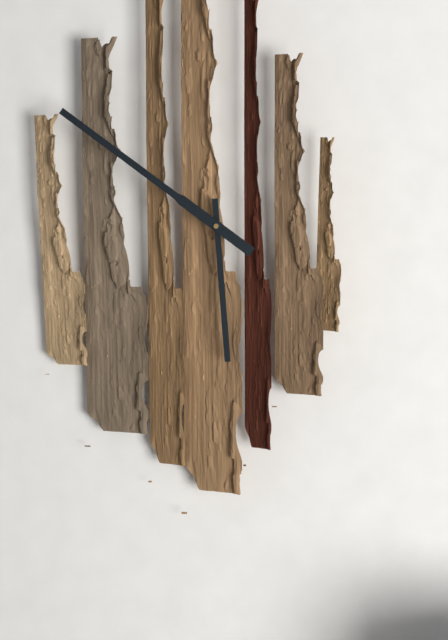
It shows 5.51
